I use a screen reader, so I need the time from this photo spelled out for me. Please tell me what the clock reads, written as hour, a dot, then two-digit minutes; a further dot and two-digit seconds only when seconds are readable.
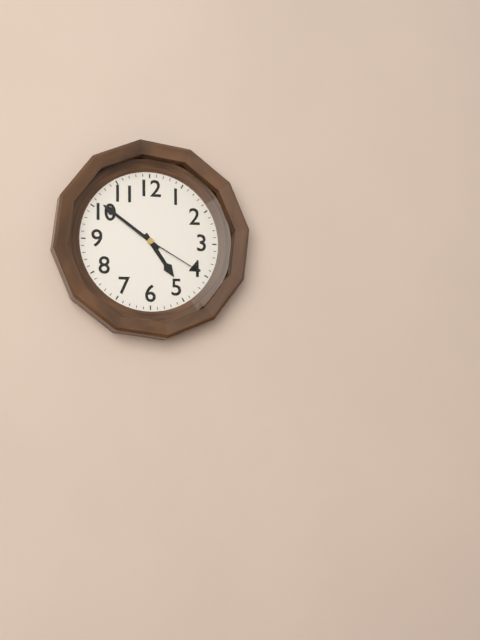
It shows 4.51.20
